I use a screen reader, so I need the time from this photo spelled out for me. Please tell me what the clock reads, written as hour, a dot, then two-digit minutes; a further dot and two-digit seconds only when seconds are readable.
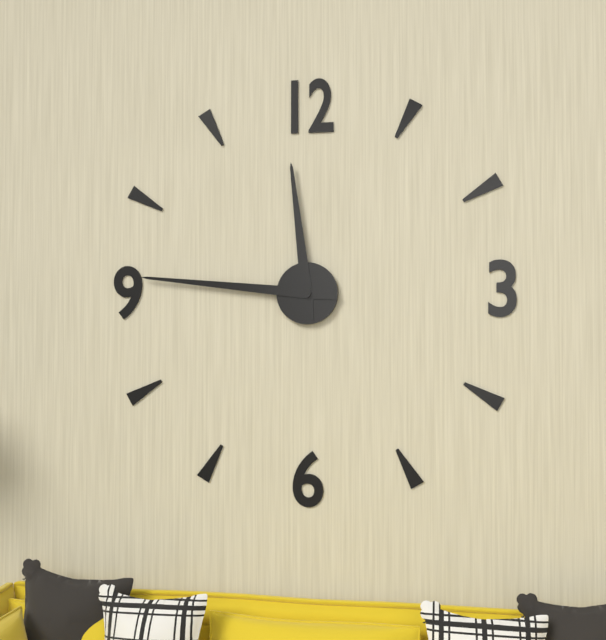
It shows 11.46
